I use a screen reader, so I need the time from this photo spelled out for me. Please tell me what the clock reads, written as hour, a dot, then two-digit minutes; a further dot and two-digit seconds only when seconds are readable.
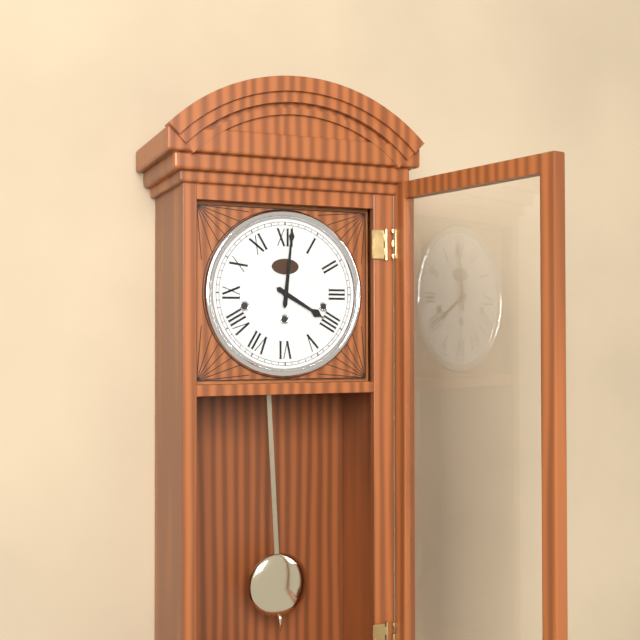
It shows 4.01
